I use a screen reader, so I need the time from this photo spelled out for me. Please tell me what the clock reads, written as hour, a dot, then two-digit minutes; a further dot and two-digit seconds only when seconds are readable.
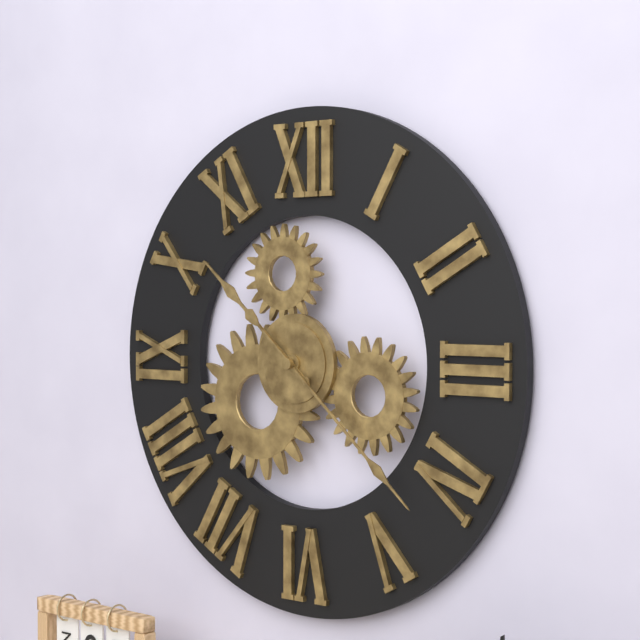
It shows 10.22
